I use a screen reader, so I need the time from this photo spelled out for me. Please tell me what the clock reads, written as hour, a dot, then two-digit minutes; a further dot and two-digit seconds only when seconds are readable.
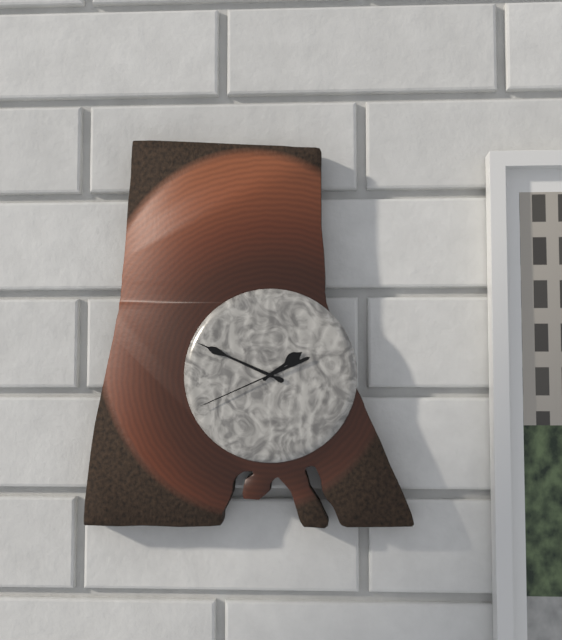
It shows 1.49.41
